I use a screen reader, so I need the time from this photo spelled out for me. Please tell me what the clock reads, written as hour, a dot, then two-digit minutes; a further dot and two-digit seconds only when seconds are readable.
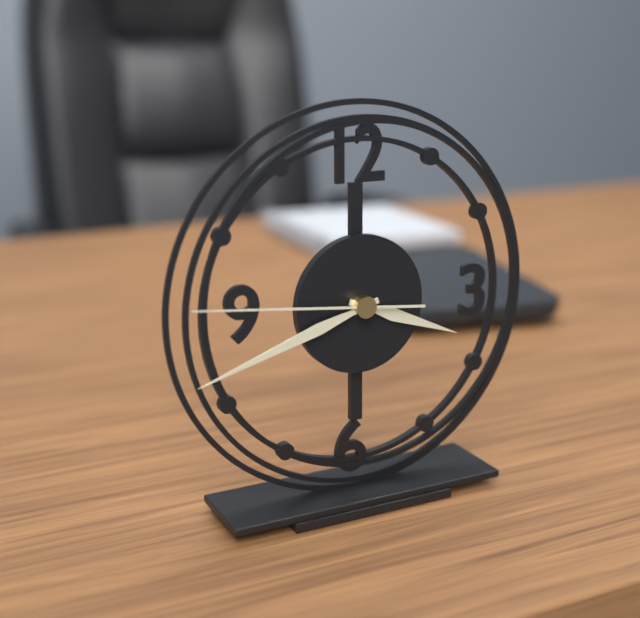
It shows 3.42.46
